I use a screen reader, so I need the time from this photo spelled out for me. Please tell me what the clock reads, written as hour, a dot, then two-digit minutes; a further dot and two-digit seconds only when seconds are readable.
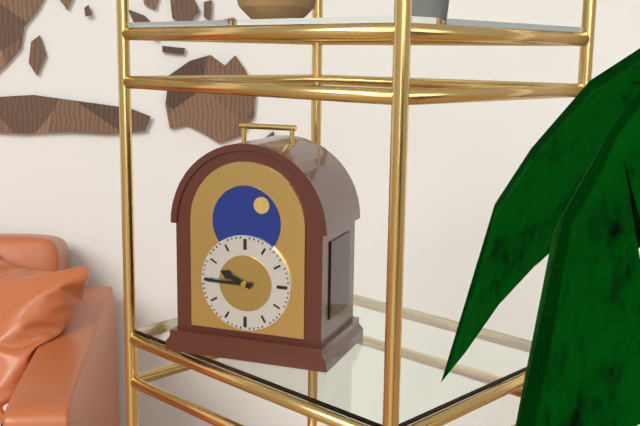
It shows 9.45
